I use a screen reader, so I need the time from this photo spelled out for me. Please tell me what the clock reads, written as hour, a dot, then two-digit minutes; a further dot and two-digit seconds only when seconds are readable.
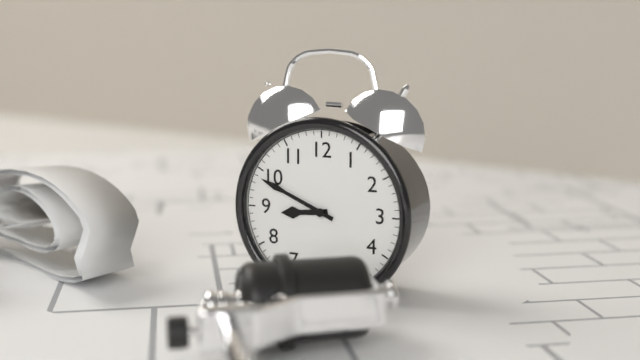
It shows 8.49
